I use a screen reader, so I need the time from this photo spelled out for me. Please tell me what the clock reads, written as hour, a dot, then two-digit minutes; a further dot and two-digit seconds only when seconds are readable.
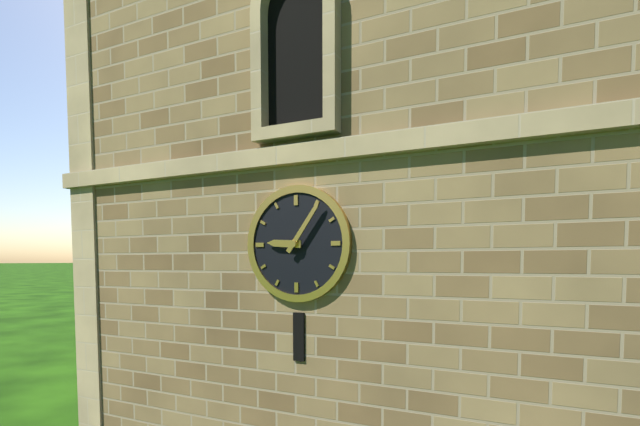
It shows 9.06
